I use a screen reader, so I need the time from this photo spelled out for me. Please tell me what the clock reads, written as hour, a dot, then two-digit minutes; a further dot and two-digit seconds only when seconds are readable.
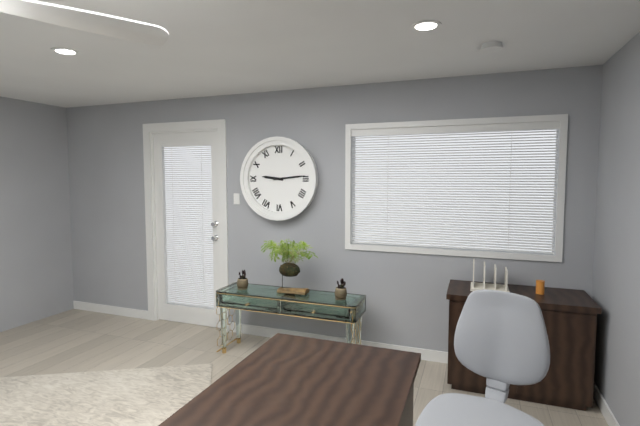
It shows 9.14
